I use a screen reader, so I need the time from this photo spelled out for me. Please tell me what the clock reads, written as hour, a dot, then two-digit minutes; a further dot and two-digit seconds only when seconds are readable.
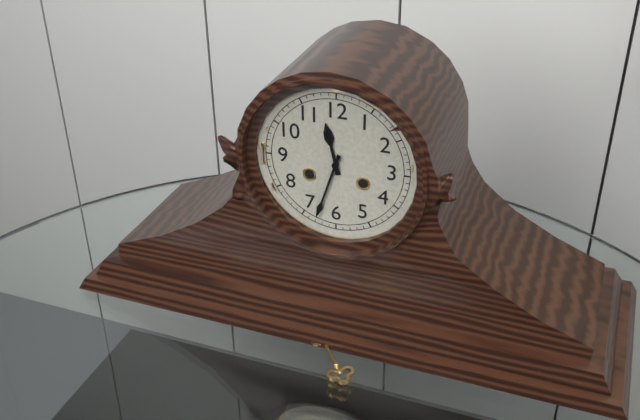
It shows 11.33
